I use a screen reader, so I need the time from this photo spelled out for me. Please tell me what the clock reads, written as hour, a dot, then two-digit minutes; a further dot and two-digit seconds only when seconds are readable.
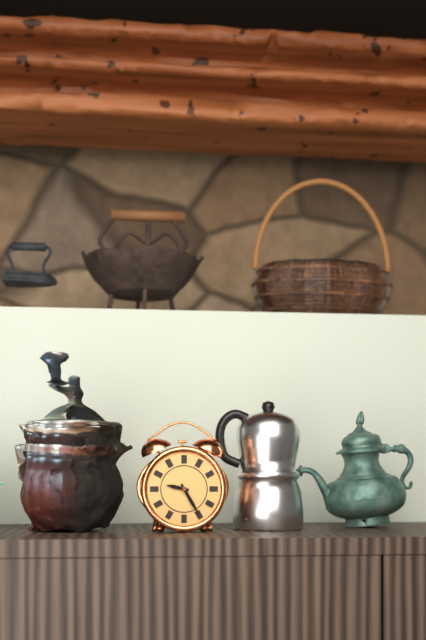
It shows 9.25
